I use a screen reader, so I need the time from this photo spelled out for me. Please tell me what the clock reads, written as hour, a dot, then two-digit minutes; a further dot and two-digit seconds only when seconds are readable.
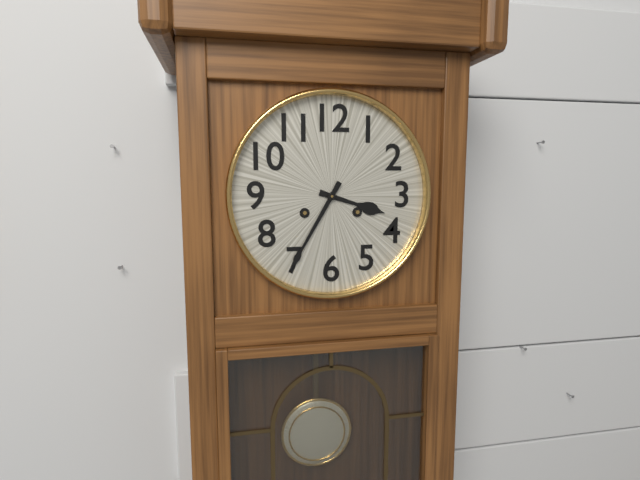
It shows 3.35
